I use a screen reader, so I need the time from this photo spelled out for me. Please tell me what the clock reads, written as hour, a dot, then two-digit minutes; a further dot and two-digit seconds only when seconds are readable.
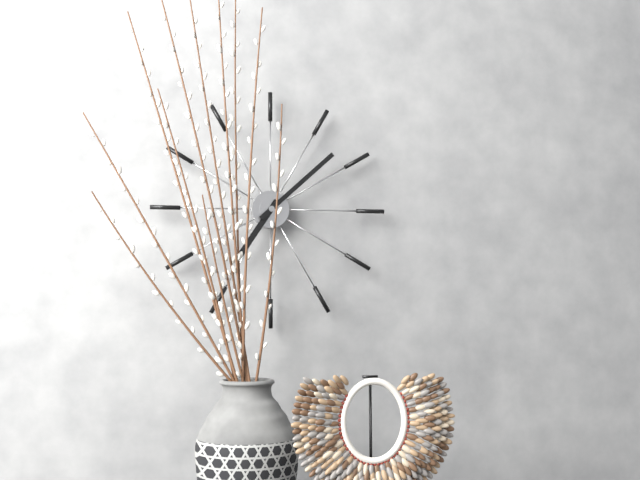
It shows 7.08
